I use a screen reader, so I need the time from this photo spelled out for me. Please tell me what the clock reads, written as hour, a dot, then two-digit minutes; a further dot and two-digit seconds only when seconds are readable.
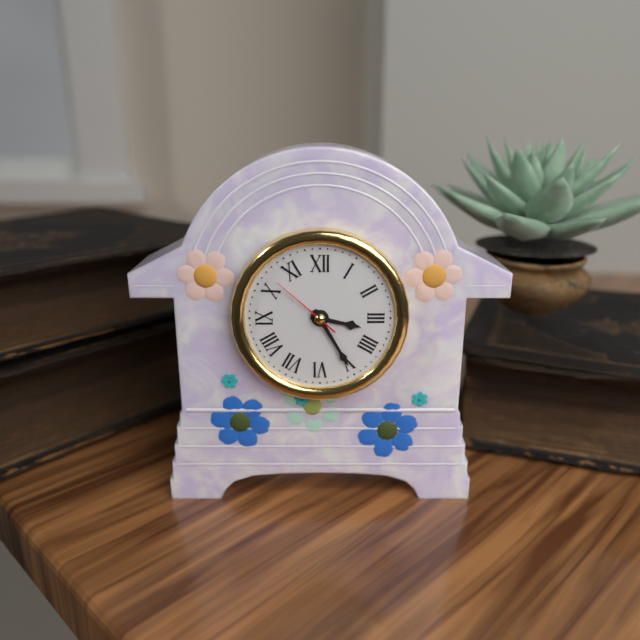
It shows 3.25.52
